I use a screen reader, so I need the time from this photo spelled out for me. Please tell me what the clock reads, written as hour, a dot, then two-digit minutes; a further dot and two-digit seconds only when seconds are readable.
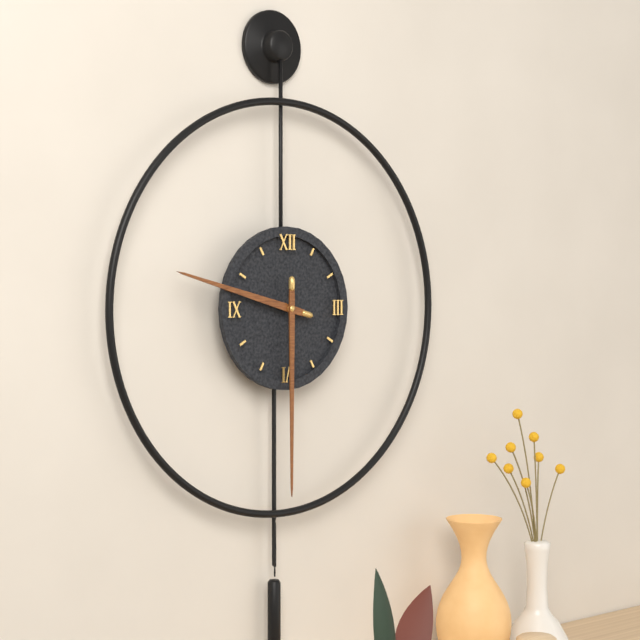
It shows 9.30
